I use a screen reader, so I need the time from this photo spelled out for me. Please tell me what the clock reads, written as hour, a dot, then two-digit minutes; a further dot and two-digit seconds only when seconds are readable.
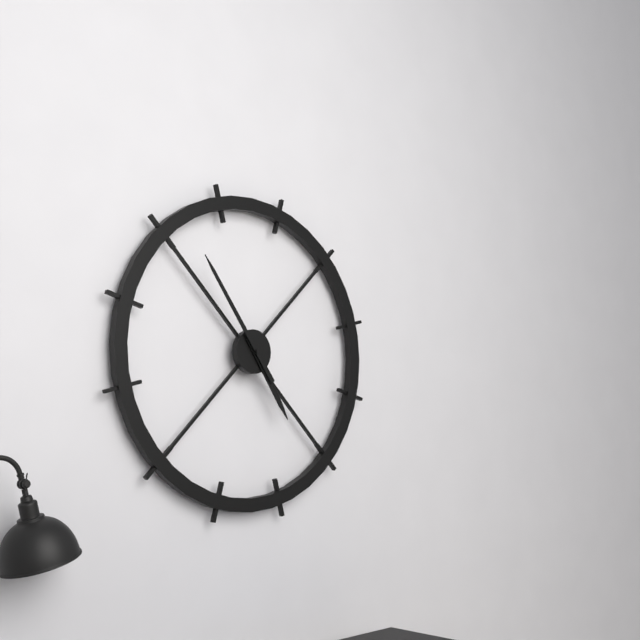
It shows 4.54
